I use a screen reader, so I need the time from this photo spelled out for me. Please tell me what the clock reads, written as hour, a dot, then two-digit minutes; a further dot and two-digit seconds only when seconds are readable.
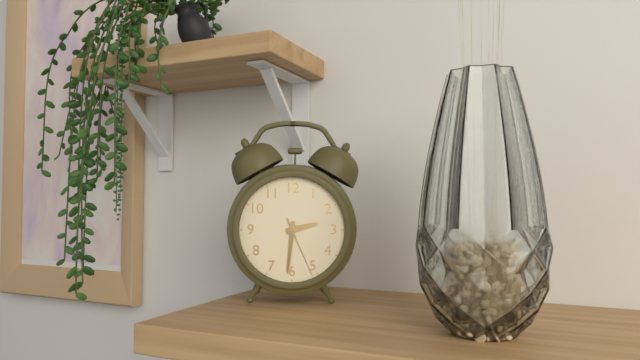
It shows 2.31.26
